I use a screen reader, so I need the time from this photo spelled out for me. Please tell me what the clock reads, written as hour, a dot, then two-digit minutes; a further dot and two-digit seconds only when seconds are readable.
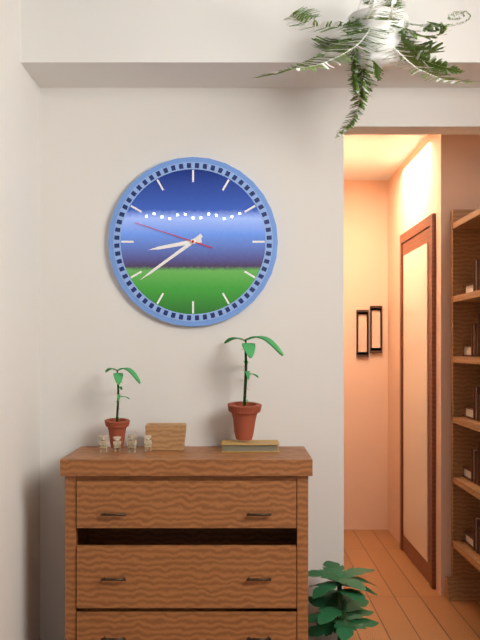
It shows 8.39.48
